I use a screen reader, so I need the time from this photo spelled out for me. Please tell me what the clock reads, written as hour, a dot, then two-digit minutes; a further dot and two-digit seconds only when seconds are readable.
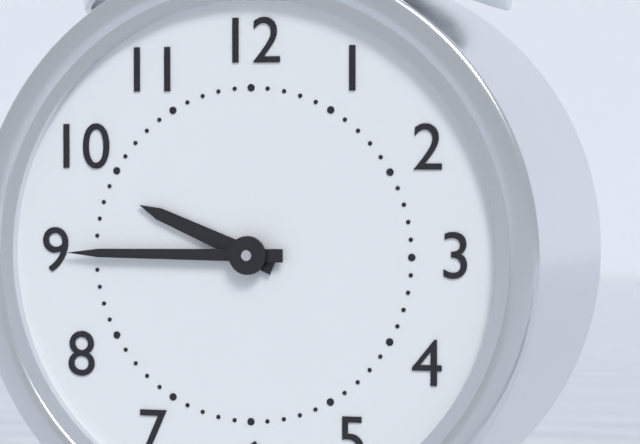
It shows 9.45
